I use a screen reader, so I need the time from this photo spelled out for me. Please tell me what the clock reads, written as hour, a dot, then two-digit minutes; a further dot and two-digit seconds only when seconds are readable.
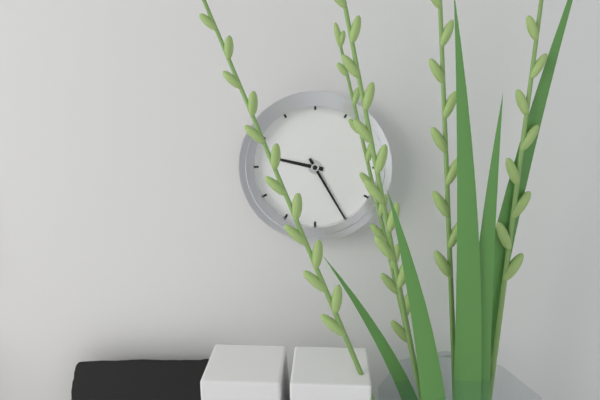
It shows 9.25
